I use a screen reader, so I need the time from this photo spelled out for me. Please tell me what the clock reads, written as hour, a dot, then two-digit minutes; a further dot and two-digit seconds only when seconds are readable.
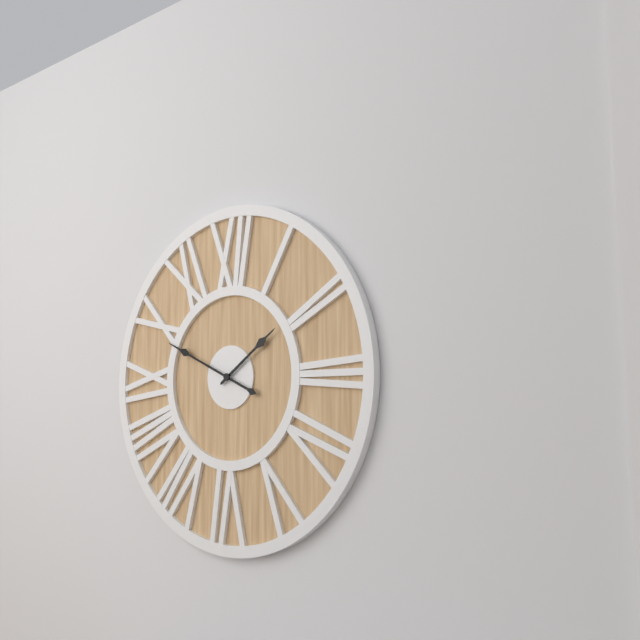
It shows 1.49
